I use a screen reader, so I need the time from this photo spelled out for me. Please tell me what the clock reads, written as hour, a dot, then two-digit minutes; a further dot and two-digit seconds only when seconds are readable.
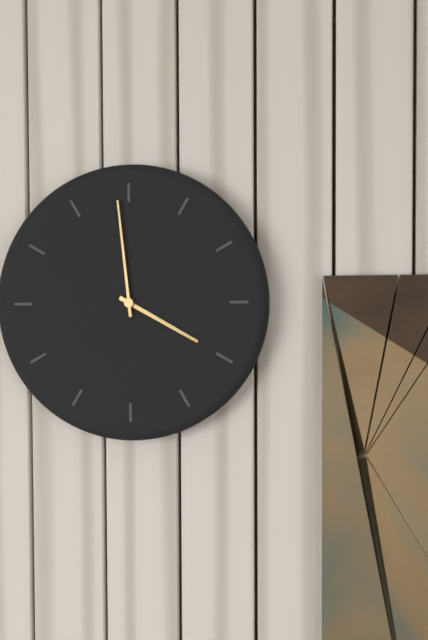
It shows 3.59
